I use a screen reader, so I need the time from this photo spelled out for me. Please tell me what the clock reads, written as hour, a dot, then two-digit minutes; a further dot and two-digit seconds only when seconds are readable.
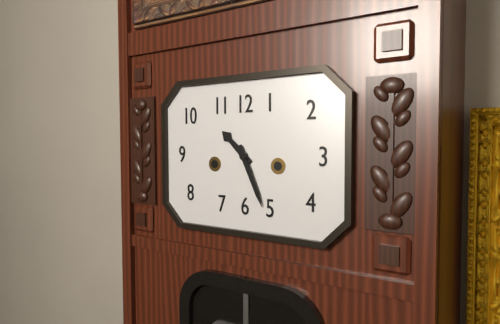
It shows 10.26
